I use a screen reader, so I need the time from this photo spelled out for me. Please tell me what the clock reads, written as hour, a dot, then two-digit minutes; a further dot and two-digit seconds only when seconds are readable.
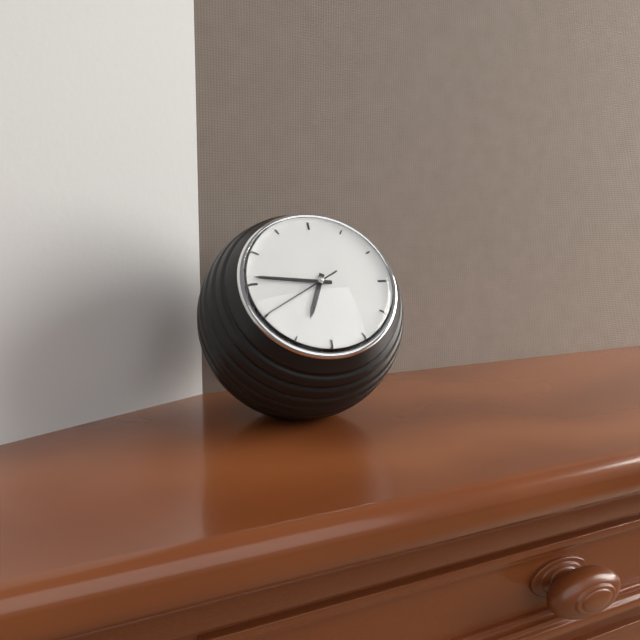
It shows 6.46
